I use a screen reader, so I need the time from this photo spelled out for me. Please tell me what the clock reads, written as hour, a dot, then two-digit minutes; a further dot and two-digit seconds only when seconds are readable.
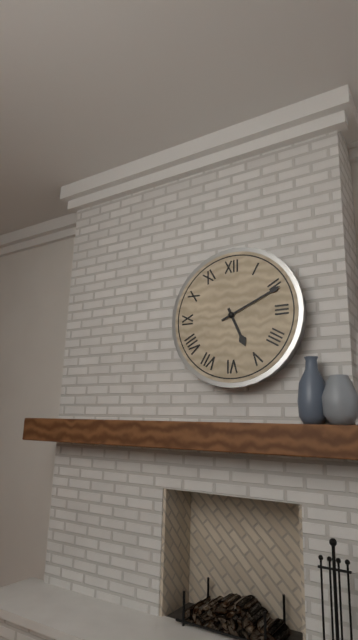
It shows 5.11
